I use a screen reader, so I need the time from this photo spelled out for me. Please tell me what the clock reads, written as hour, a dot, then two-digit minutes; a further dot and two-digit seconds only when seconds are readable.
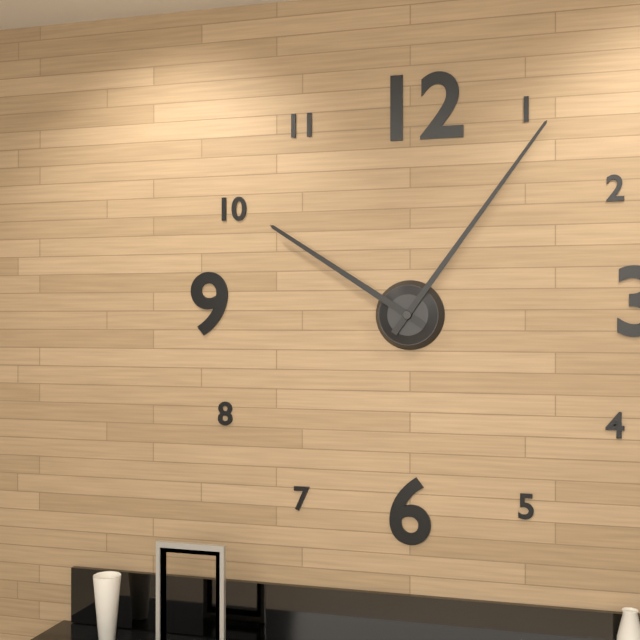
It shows 10.06
